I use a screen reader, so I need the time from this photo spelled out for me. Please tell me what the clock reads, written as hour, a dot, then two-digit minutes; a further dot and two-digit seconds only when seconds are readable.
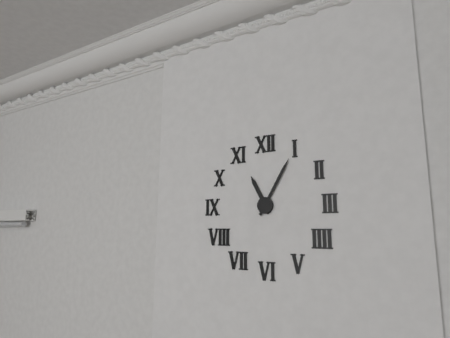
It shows 11.05
